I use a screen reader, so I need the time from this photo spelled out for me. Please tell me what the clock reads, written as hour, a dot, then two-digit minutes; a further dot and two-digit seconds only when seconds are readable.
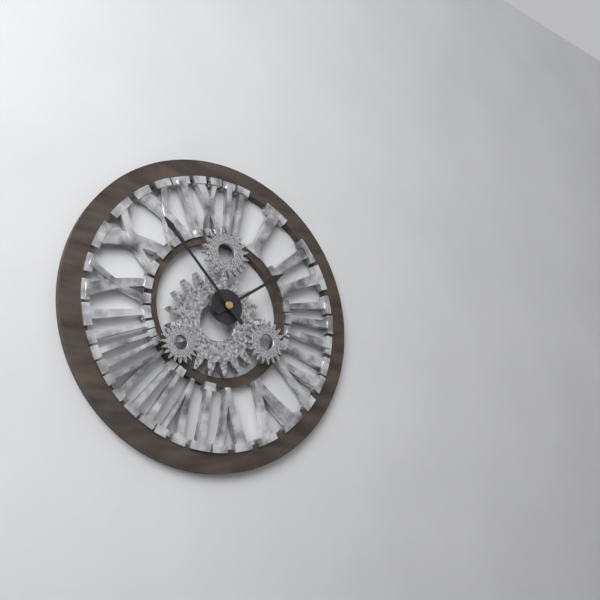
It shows 1.53
